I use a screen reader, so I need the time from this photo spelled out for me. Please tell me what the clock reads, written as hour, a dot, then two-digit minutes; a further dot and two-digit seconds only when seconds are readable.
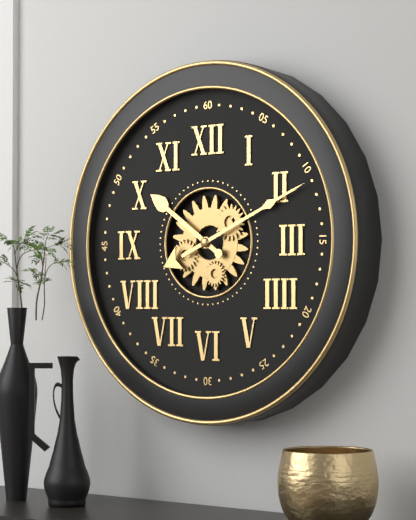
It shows 10.11
